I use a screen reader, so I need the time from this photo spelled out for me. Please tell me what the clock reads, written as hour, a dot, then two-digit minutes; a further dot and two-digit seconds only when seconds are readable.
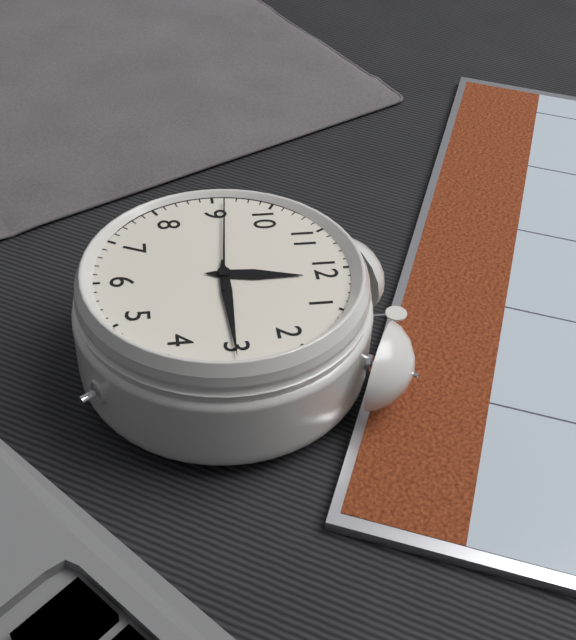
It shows 12.15.46
